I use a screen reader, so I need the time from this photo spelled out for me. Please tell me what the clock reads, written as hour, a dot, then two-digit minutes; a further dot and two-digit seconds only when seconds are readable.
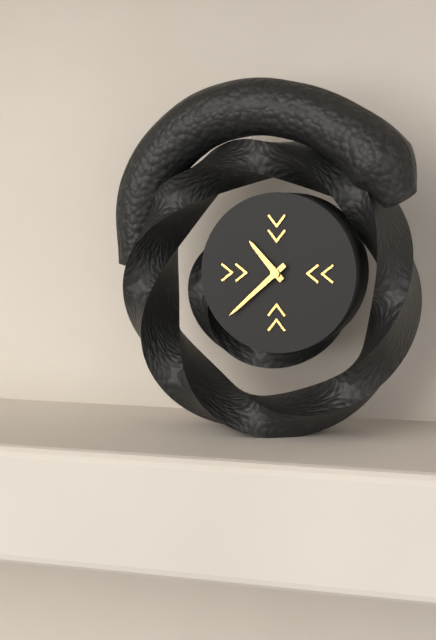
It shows 10.38
